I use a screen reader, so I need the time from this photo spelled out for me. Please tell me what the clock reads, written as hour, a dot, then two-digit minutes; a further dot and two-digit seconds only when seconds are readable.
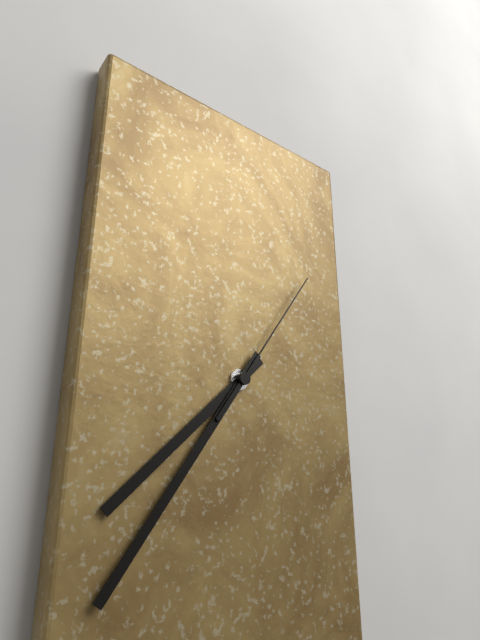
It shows 7.36.06
